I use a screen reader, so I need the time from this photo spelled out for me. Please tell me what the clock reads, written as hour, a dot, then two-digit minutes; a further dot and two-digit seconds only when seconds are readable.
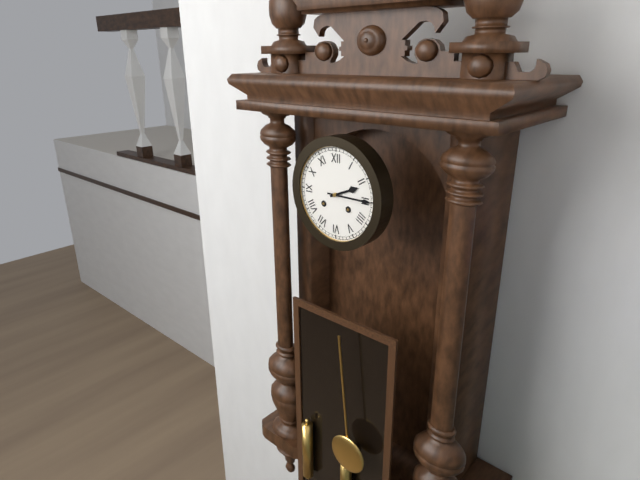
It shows 2.15
